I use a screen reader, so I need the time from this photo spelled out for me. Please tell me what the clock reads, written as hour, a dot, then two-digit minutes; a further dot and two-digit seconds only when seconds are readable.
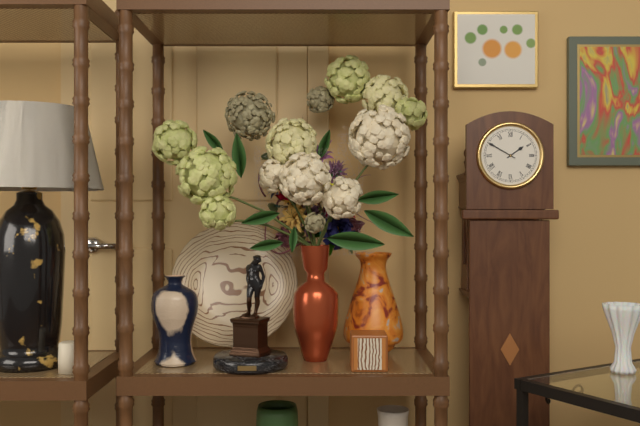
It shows 1.50
